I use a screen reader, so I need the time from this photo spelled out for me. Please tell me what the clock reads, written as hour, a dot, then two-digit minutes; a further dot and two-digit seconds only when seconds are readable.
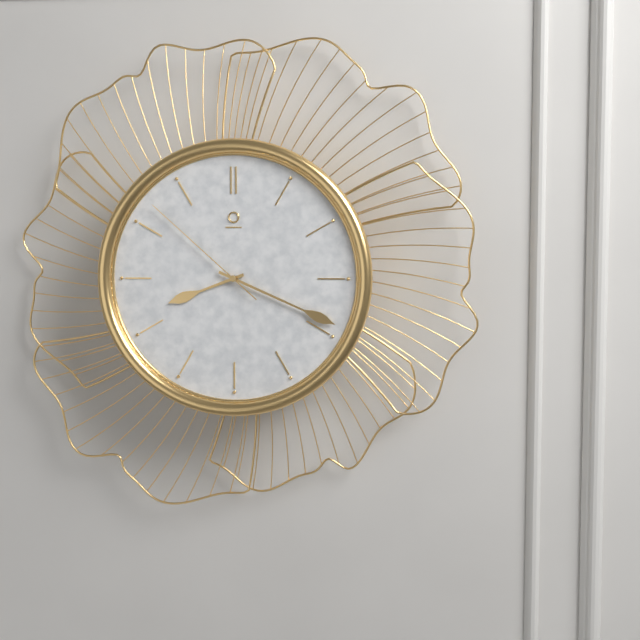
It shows 8.19.52
